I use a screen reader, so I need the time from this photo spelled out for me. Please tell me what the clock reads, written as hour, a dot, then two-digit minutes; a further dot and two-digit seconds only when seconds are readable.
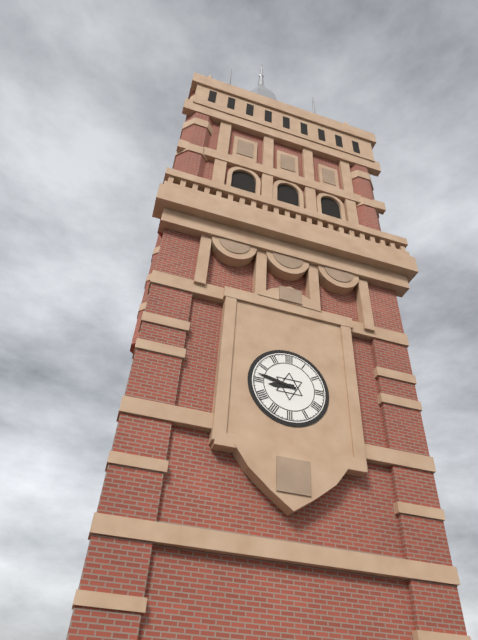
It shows 8.47
